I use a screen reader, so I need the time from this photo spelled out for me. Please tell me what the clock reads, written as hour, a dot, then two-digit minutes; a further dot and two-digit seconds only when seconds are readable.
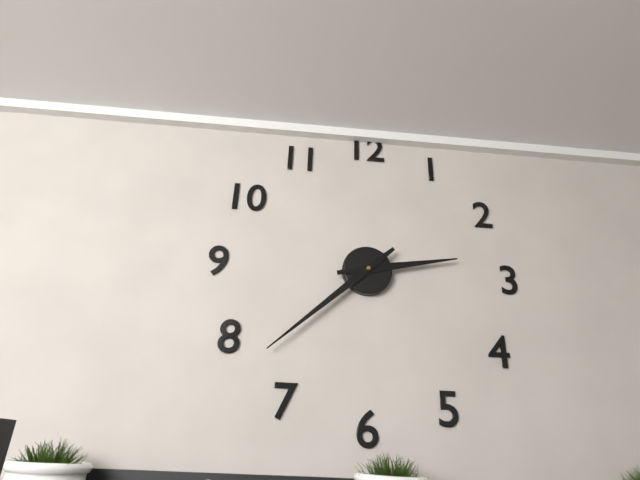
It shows 2.38
